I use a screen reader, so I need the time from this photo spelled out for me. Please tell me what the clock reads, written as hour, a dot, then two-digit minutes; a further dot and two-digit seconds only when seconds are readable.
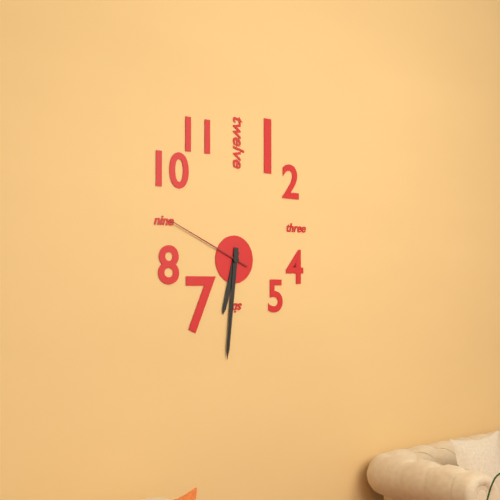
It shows 6.31.49
